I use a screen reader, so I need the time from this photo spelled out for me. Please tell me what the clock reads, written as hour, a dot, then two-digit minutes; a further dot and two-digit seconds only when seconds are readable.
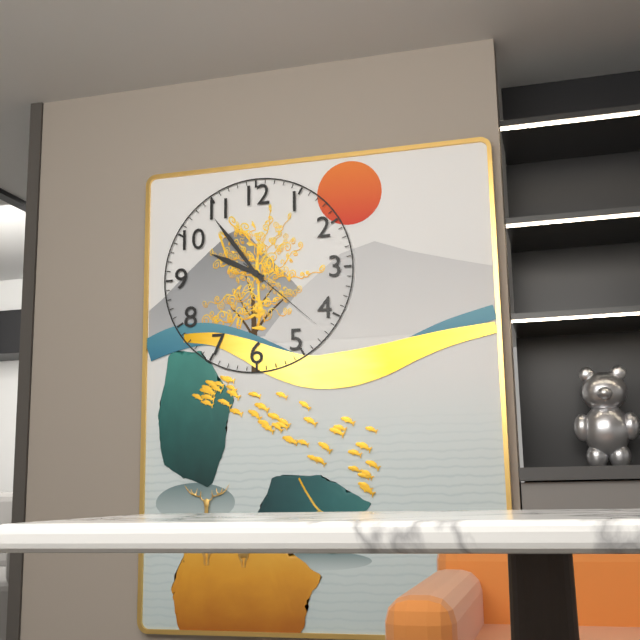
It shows 9.54.22
